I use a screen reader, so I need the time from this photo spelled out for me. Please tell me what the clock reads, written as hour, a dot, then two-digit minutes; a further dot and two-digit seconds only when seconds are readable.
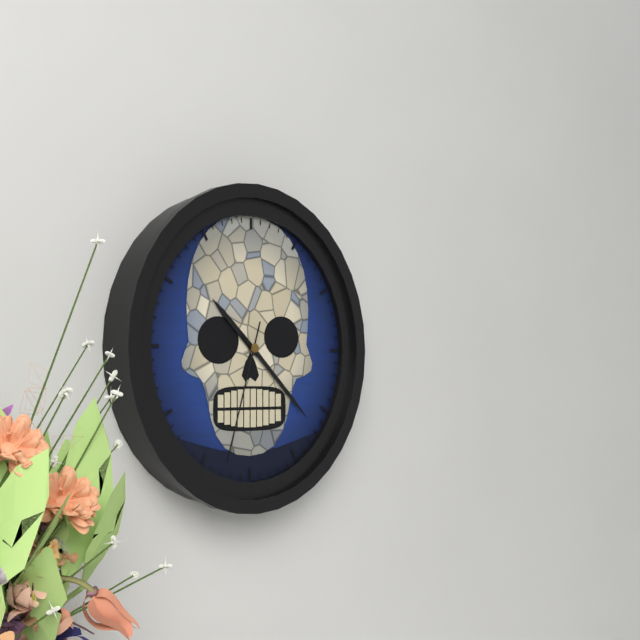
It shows 10.22.33
